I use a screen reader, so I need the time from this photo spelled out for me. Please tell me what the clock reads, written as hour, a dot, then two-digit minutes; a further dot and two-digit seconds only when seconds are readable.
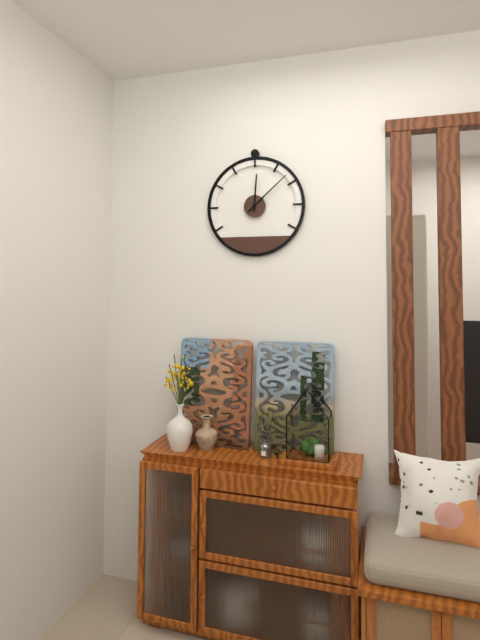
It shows 12.08
